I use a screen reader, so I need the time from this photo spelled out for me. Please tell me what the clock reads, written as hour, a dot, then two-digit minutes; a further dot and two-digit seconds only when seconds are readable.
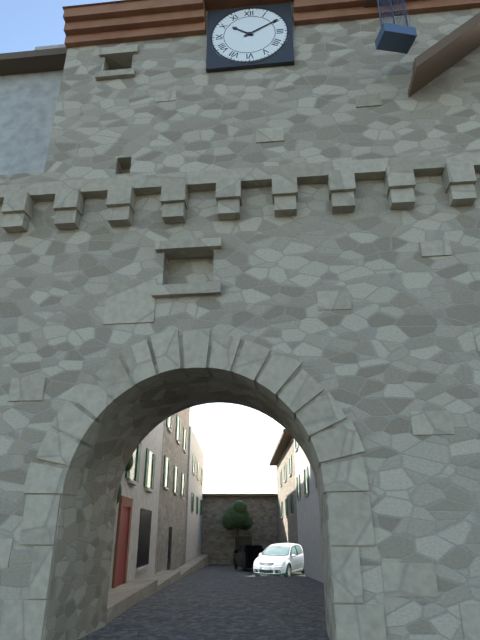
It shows 10.10
